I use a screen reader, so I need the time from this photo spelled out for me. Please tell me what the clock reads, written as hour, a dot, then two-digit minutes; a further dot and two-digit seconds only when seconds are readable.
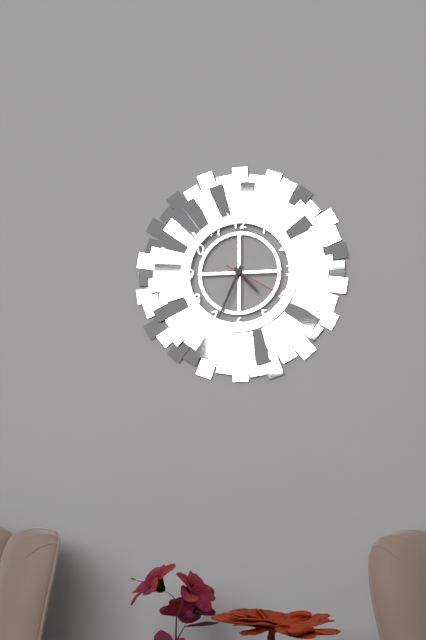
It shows 4.34.20
